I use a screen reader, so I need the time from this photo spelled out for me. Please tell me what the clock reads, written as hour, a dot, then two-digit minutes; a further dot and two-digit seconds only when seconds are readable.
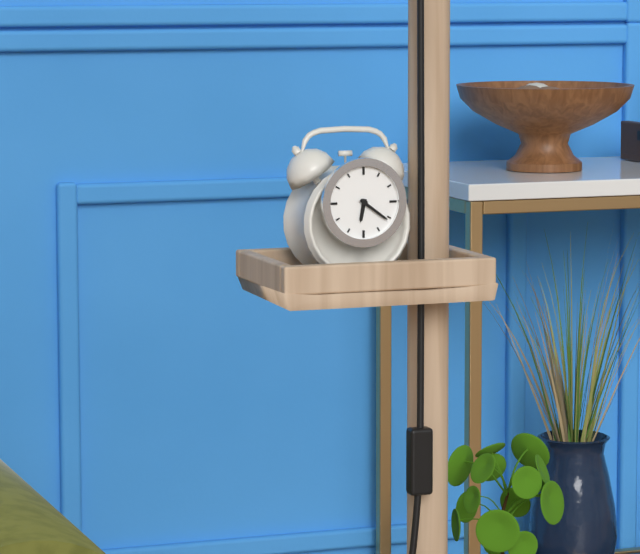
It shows 6.21
